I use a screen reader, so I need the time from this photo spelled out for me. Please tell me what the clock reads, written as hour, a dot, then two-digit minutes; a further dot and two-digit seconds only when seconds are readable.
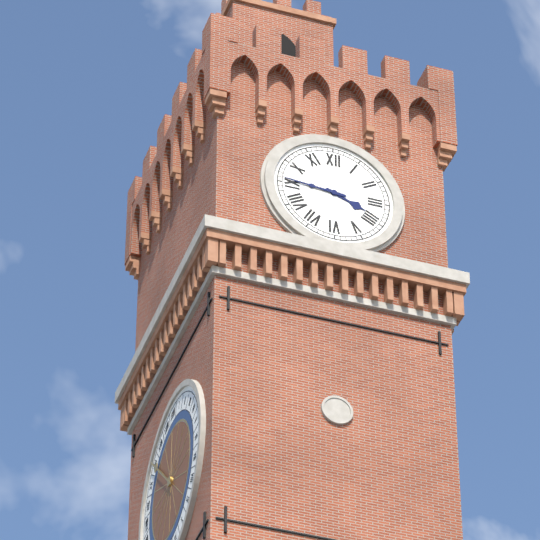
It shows 3.46
